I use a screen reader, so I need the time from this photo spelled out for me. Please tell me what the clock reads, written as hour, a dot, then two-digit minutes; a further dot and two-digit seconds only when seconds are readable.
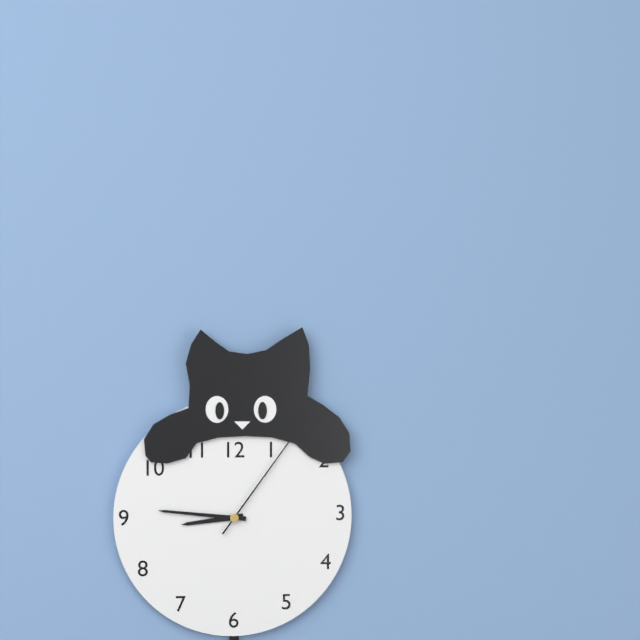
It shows 8.46.06
